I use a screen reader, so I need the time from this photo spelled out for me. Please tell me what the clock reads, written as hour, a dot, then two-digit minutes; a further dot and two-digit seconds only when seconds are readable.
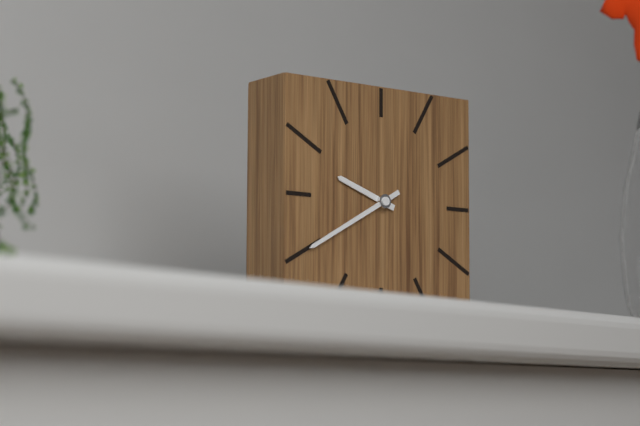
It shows 9.40
